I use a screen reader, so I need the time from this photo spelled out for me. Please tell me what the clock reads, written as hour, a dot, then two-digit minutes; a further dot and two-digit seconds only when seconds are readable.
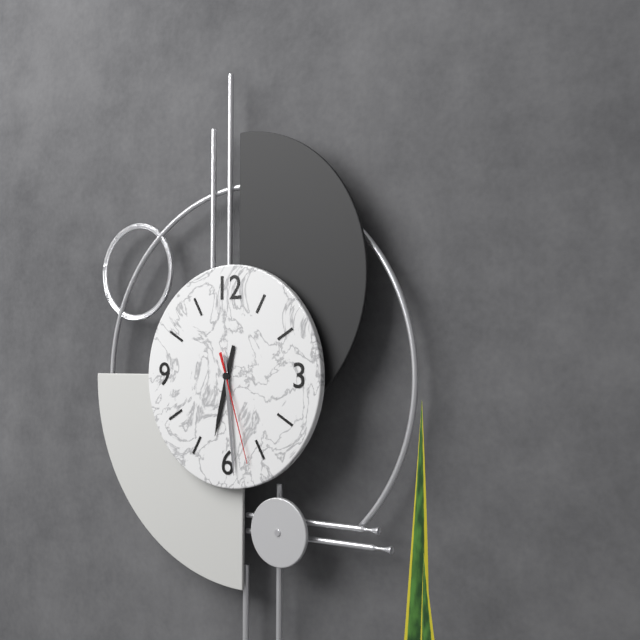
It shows 6.29.27
